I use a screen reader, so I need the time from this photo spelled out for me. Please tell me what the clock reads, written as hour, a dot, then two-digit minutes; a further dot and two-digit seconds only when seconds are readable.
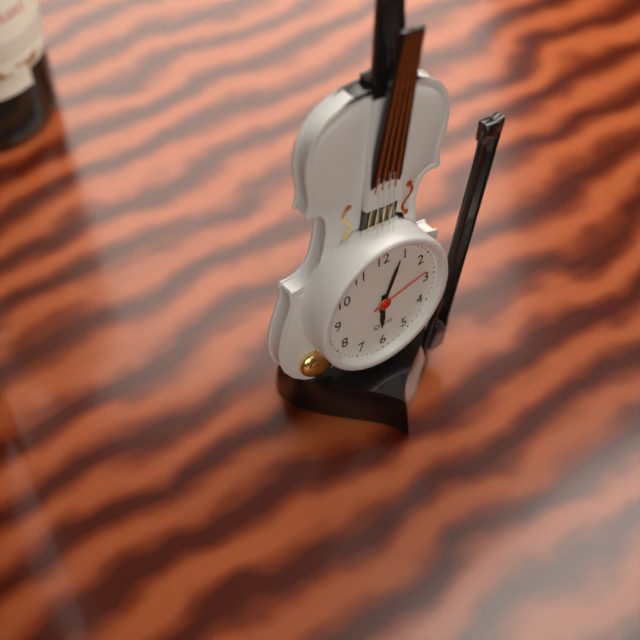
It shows 6.04.13
